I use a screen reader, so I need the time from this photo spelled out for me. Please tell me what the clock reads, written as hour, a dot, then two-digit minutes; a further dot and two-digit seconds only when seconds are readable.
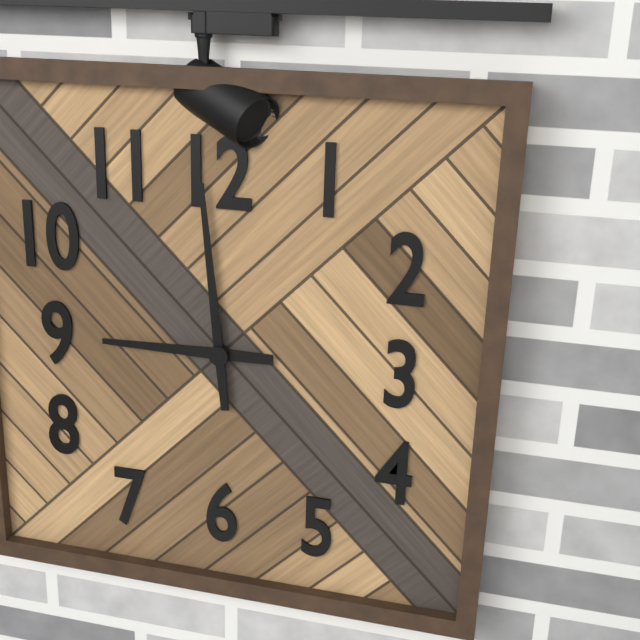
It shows 8.59
